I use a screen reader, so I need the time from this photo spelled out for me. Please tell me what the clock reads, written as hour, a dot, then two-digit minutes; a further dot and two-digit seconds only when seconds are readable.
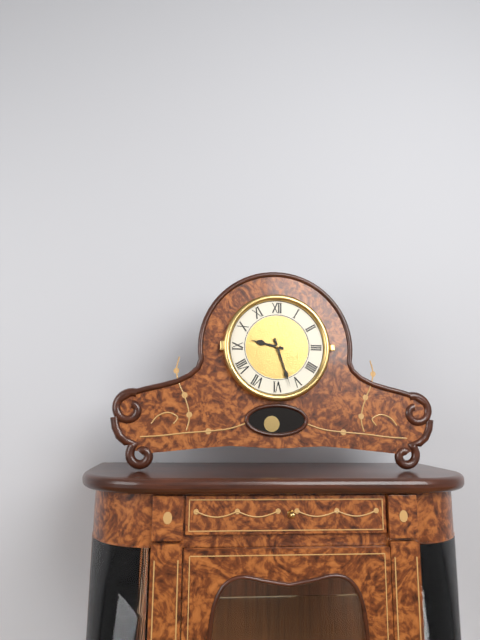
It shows 9.27
